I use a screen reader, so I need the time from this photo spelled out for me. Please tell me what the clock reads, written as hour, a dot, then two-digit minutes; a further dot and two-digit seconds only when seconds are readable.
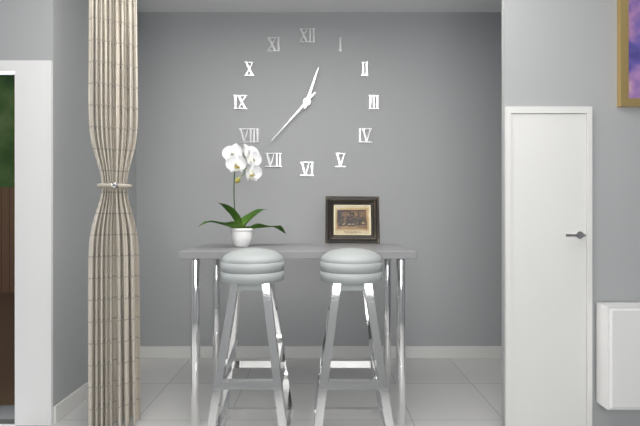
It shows 12.37
